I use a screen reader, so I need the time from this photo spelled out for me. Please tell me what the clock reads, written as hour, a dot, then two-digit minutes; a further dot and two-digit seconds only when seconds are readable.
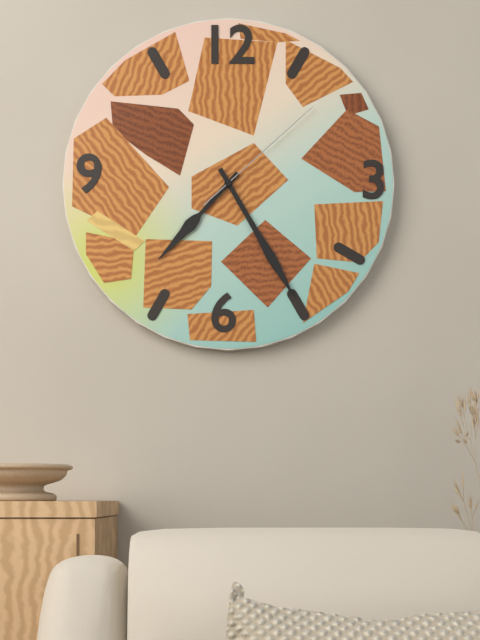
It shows 7.25.08
